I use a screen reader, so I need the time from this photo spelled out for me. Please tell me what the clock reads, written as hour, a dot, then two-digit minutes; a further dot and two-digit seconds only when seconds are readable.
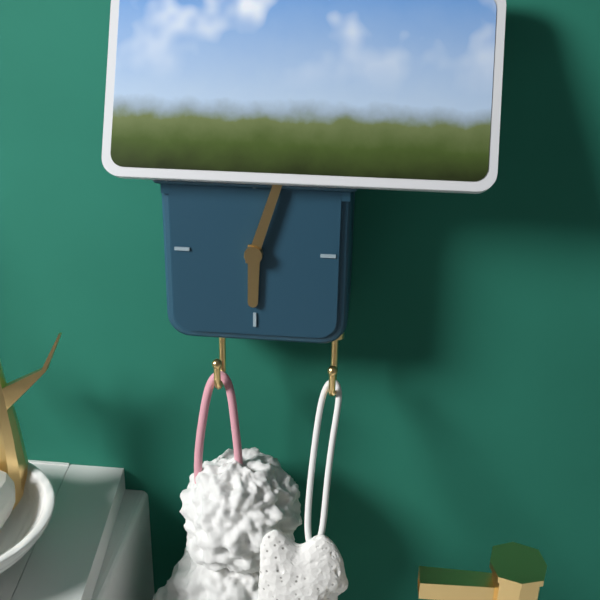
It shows 6.03
